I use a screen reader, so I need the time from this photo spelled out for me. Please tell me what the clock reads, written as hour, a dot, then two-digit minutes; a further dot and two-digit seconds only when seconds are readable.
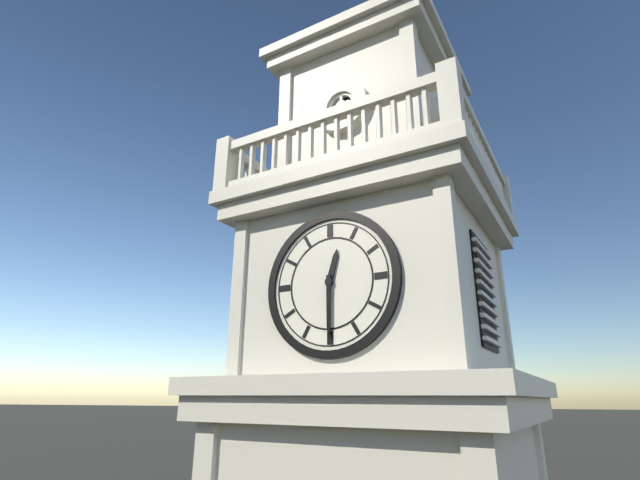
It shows 12.30
